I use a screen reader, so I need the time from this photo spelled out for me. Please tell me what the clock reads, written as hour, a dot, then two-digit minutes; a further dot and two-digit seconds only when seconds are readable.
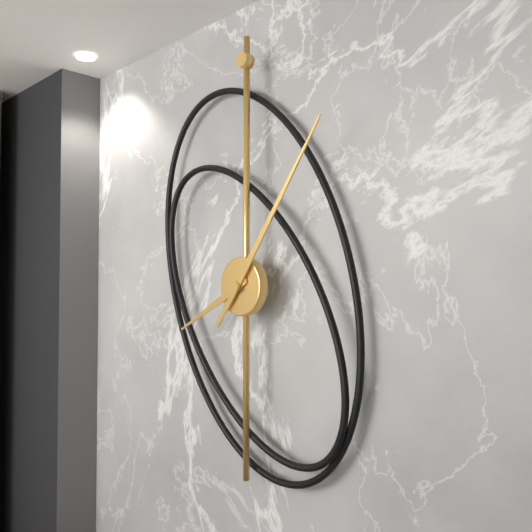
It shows 8.06
